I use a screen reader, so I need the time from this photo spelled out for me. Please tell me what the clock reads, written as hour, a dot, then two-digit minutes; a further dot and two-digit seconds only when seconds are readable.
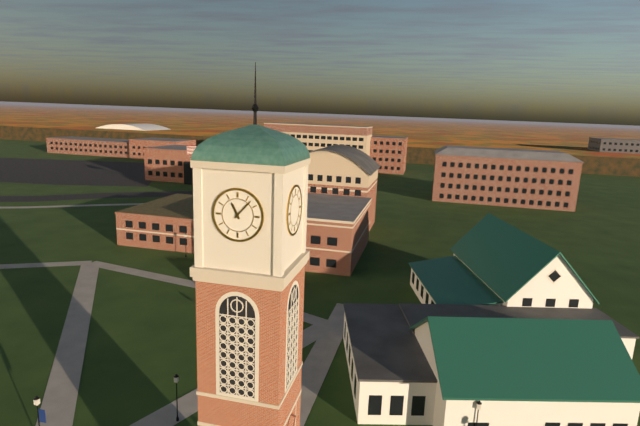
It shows 11.07
